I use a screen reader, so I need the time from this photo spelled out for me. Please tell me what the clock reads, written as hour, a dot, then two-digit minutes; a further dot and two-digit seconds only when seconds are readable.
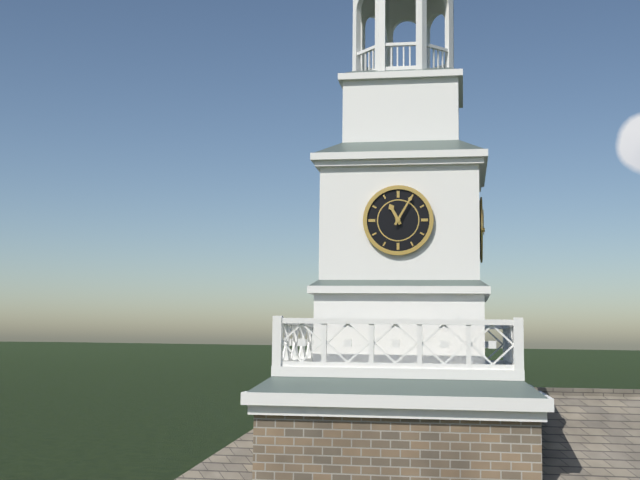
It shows 11.05
